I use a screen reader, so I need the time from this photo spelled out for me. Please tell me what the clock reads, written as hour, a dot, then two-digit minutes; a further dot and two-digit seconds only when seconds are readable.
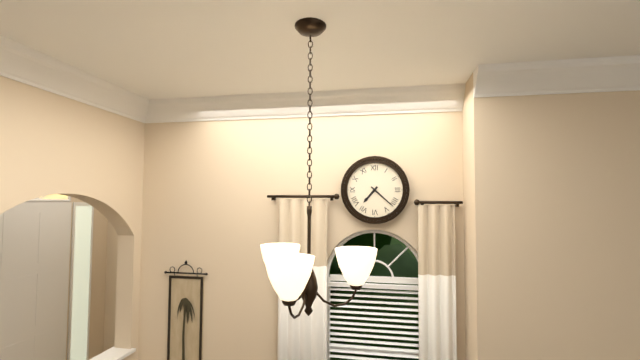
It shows 7.22
